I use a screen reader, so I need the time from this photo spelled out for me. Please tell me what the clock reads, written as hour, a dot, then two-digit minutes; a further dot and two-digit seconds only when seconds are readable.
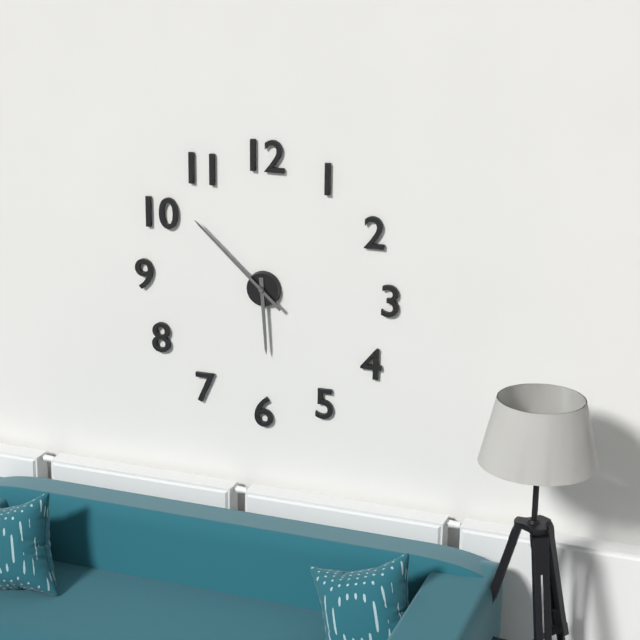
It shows 5.52
